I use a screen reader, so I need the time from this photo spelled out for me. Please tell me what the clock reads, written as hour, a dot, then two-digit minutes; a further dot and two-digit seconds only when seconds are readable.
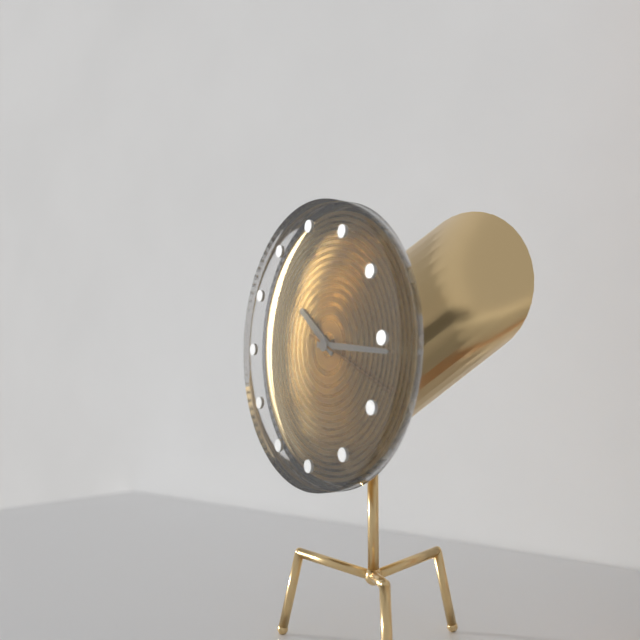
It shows 10.16.19
